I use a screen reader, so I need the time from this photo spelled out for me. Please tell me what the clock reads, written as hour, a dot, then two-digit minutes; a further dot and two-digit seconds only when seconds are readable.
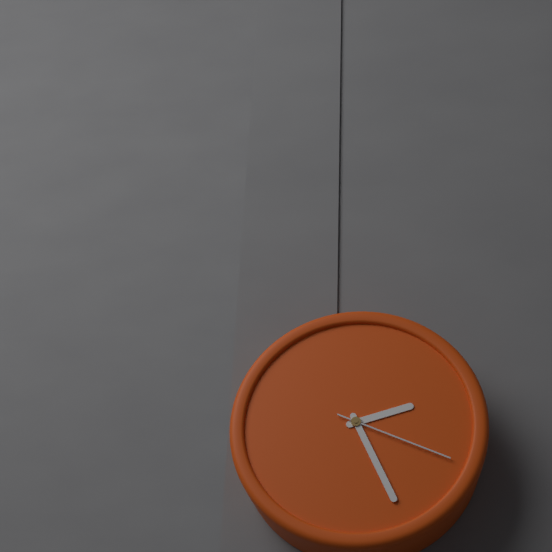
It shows 2.26.19
